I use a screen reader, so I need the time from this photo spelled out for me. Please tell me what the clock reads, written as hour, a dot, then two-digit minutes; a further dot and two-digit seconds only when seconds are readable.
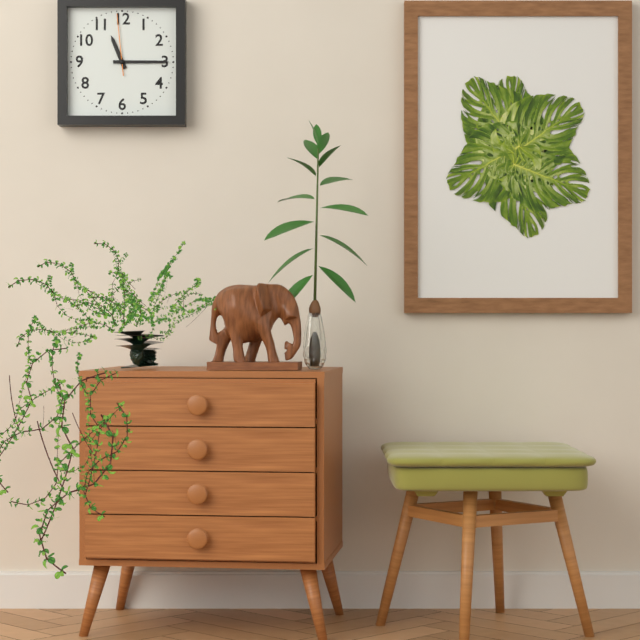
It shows 11.15.59
